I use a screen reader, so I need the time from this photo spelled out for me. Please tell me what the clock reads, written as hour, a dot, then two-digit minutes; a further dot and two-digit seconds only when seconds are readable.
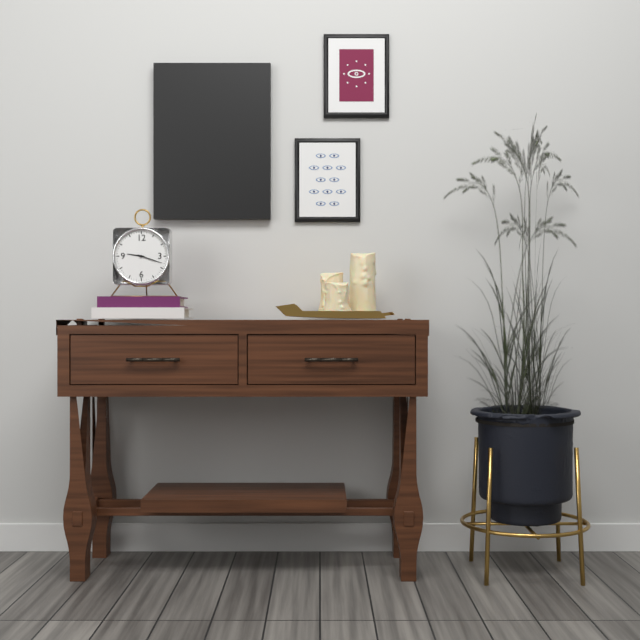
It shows 9.18
